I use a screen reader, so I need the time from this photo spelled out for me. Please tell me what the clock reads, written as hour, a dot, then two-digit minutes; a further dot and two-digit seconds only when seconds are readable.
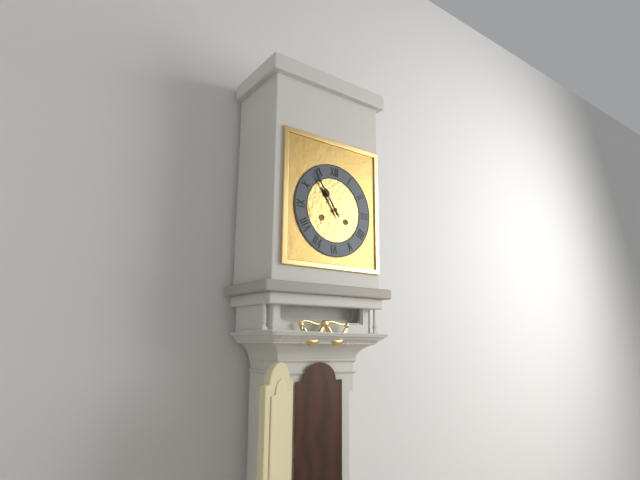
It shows 10.54
